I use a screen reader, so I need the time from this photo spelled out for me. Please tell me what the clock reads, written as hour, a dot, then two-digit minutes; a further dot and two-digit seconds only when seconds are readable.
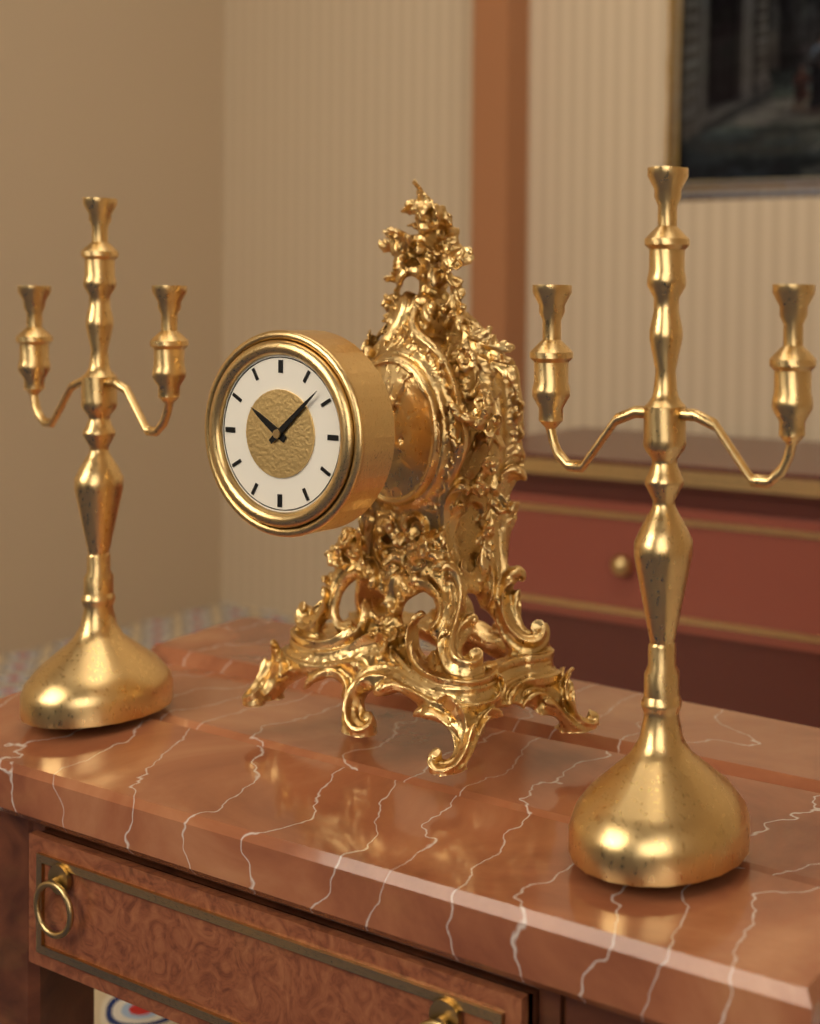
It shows 10.08
